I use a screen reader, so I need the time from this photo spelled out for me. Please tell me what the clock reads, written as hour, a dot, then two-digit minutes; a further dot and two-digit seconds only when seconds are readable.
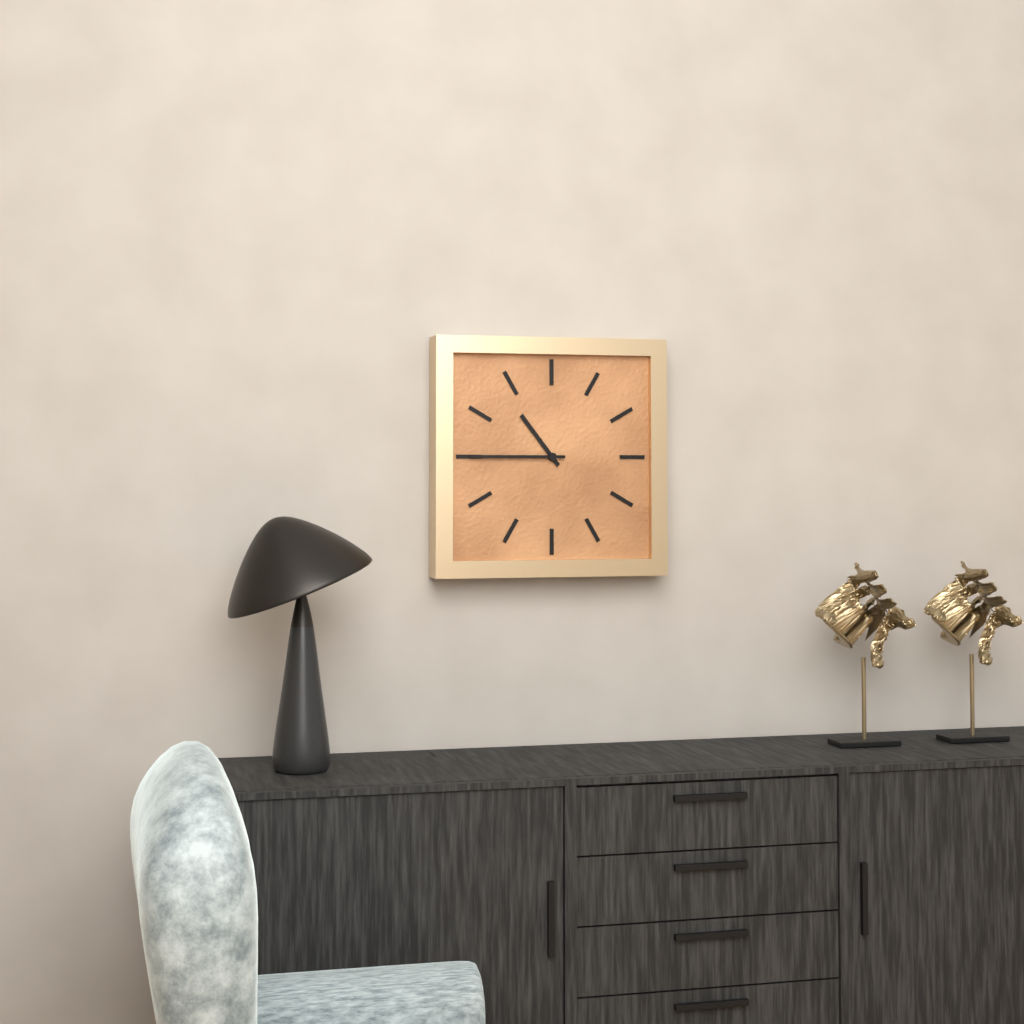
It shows 10.45
